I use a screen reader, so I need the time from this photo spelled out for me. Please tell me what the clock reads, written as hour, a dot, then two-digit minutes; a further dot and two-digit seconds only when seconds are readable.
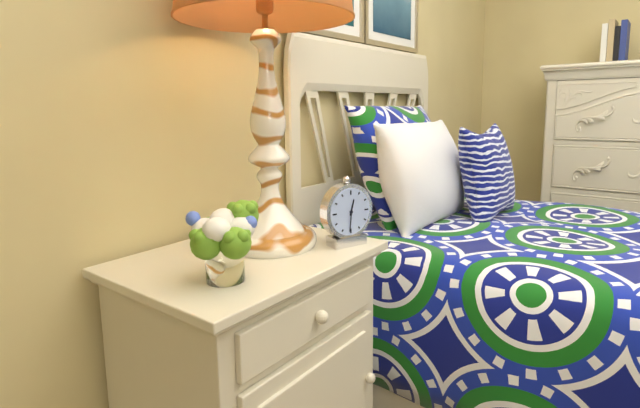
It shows 12.31
